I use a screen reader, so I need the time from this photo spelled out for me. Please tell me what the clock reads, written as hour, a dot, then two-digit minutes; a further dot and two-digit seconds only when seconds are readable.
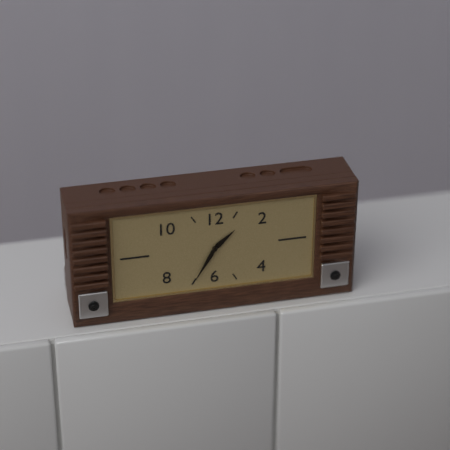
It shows 1.35
